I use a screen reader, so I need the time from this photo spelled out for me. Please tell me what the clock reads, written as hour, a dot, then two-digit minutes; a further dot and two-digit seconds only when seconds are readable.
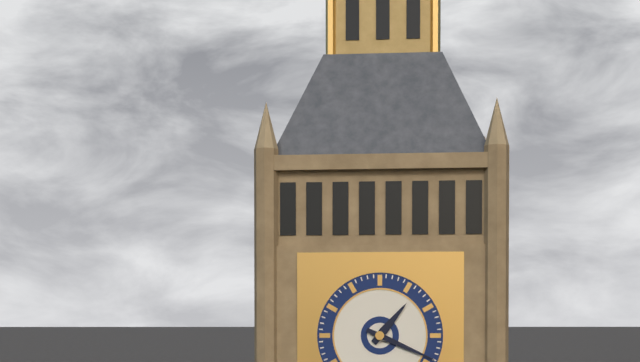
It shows 1.19
